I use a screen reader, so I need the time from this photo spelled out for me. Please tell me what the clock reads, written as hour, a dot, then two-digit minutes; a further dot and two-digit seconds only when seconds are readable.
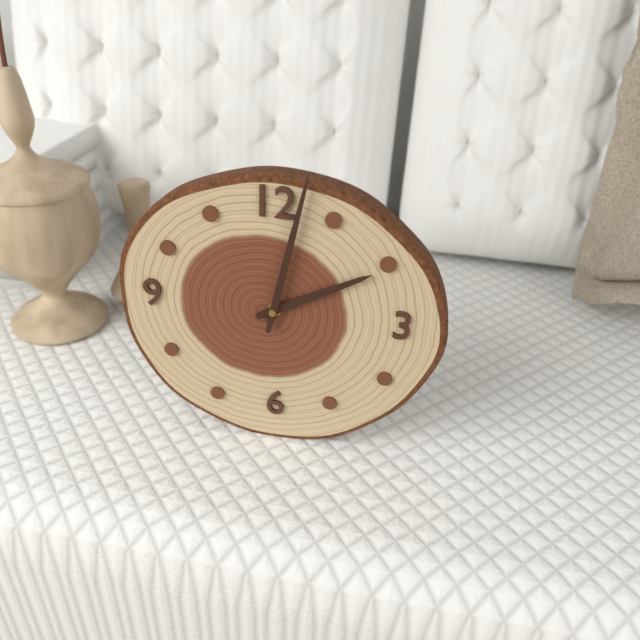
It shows 2.02
